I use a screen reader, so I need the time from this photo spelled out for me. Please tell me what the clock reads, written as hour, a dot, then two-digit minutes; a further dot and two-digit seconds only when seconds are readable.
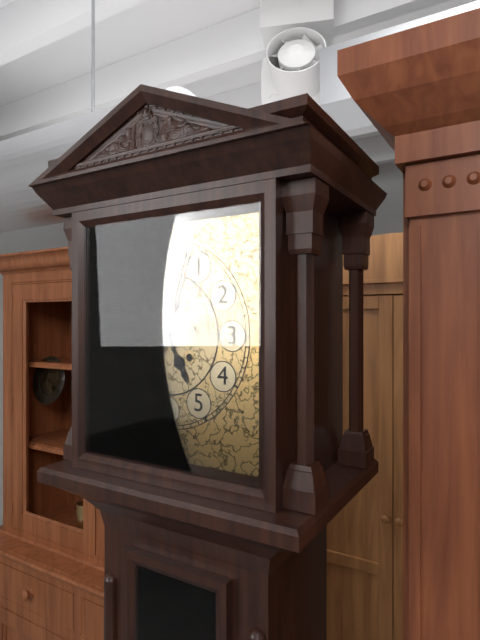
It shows 5.03
